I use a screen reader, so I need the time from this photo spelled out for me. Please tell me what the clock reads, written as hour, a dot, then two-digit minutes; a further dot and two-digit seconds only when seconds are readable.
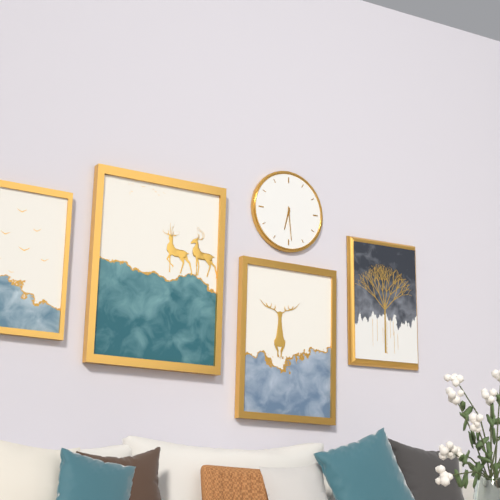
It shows 6.29
